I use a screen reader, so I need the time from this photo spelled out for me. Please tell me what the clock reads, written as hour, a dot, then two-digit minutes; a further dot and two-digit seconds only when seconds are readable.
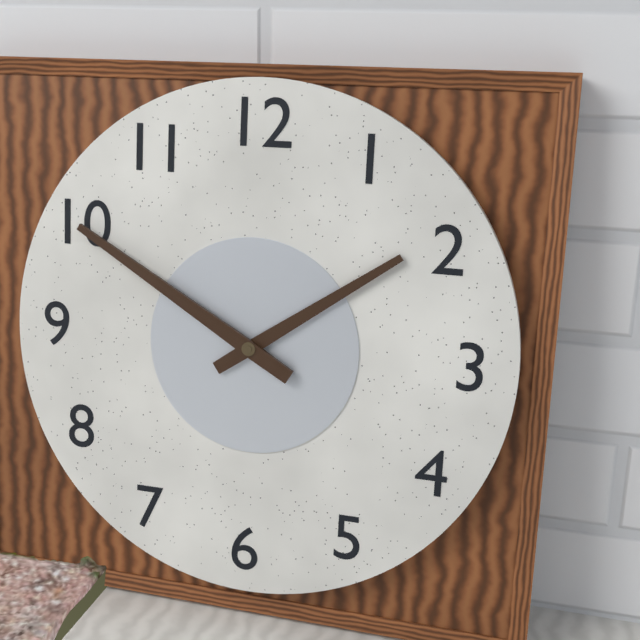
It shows 1.50
